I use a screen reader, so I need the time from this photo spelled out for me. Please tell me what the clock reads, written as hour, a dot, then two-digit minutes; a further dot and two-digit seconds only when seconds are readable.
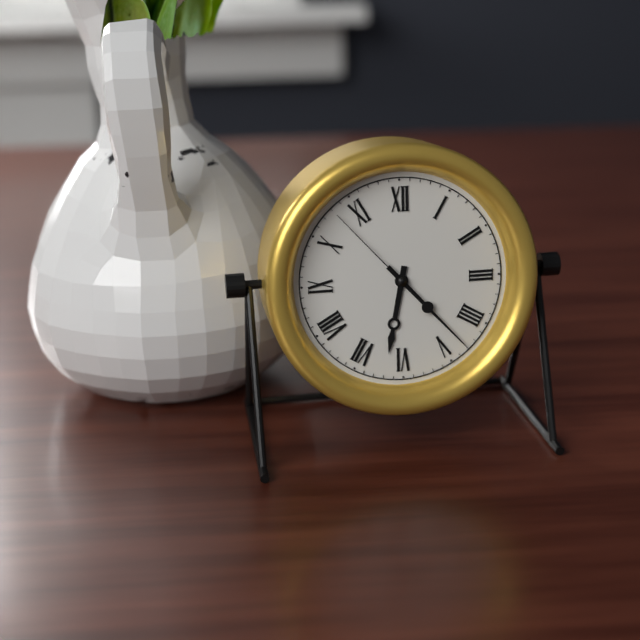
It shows 6.23.53
